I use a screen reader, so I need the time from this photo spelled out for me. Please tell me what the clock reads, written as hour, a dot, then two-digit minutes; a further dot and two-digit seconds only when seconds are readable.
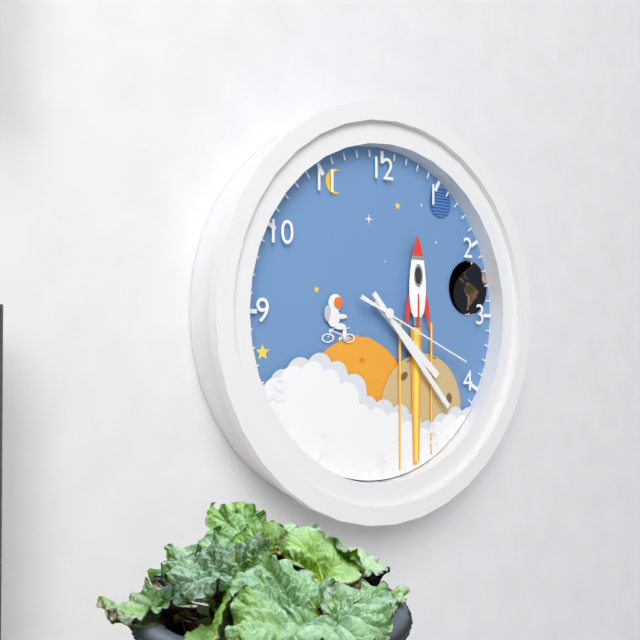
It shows 4.23.19
